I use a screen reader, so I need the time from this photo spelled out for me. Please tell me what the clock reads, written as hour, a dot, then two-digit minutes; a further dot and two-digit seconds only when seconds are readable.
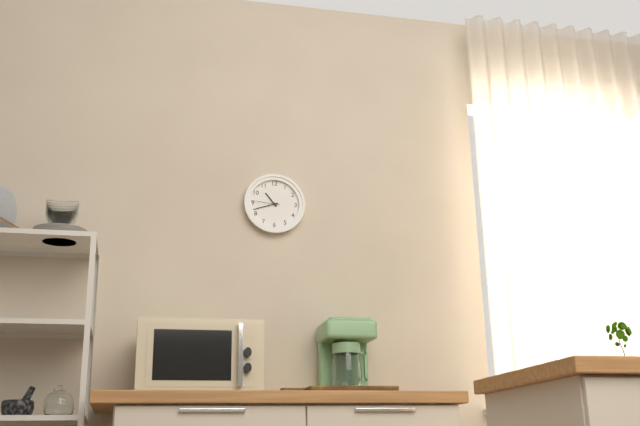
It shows 10.42
